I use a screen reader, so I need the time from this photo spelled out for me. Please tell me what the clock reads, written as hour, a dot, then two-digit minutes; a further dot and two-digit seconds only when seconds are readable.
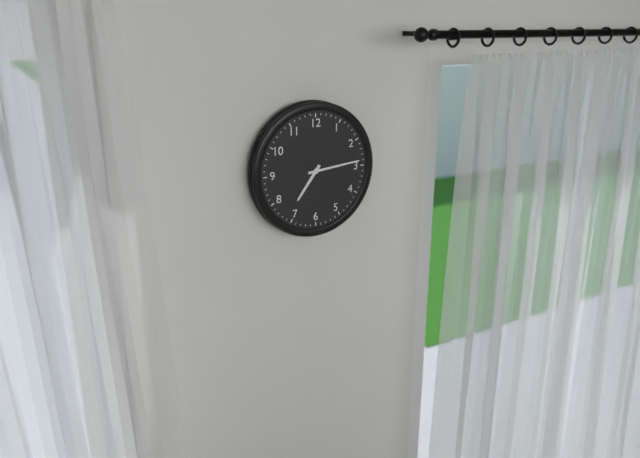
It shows 7.14
